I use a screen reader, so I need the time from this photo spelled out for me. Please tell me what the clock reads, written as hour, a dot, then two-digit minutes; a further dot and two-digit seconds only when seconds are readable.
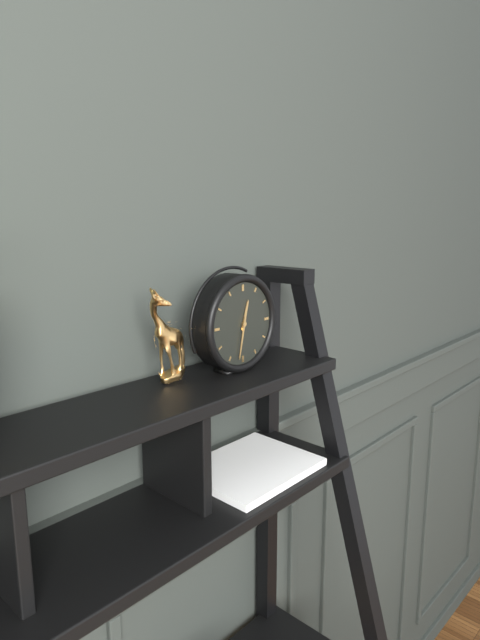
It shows 12.32
